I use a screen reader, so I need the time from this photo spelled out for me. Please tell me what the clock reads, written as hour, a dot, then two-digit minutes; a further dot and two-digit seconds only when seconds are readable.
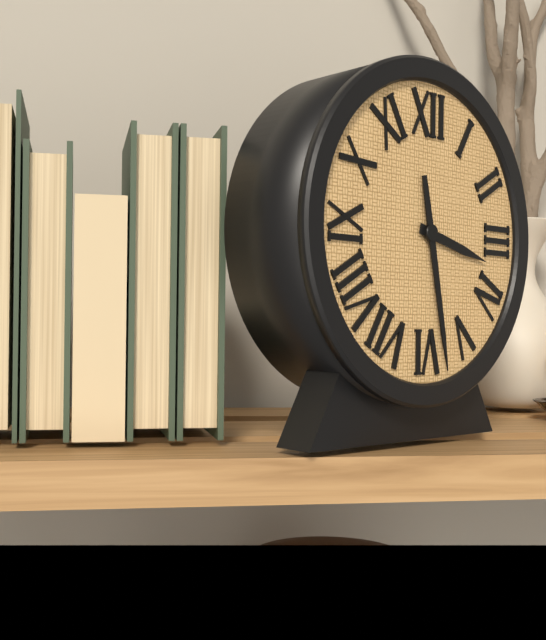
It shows 3.28
